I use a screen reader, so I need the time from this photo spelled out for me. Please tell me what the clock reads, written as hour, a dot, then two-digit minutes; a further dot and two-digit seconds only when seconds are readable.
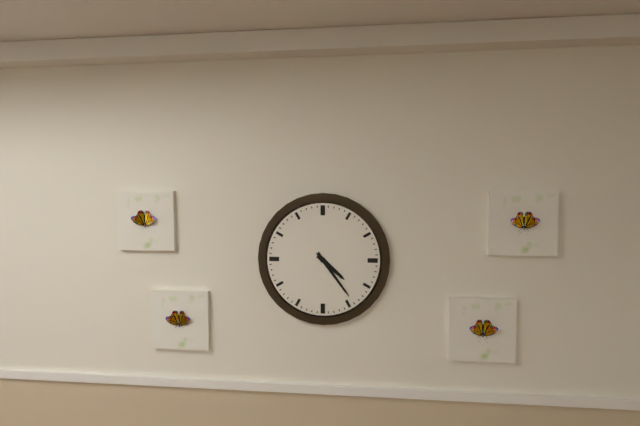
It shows 4.24
